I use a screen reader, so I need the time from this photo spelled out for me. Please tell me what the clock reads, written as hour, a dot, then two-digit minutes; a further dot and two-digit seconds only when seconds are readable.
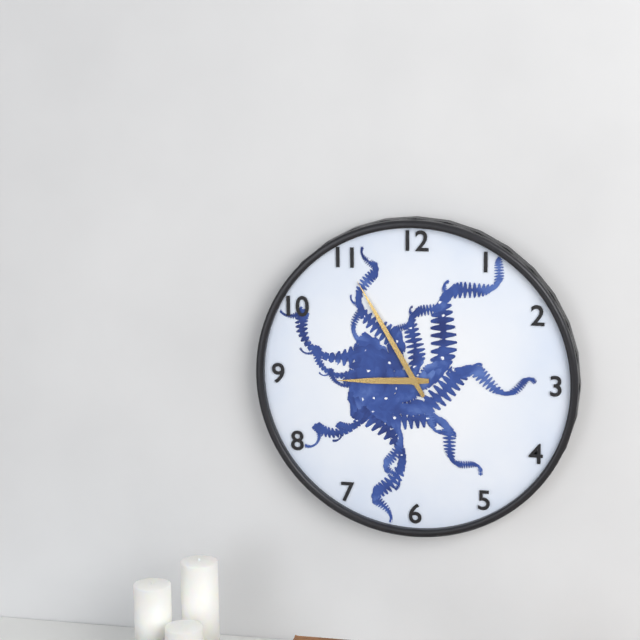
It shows 8.55
